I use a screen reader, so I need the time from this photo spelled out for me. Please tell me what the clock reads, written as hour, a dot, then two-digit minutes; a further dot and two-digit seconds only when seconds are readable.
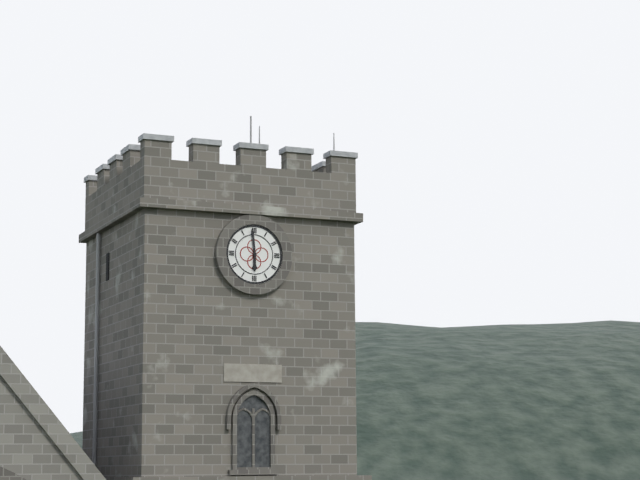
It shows 5.59
